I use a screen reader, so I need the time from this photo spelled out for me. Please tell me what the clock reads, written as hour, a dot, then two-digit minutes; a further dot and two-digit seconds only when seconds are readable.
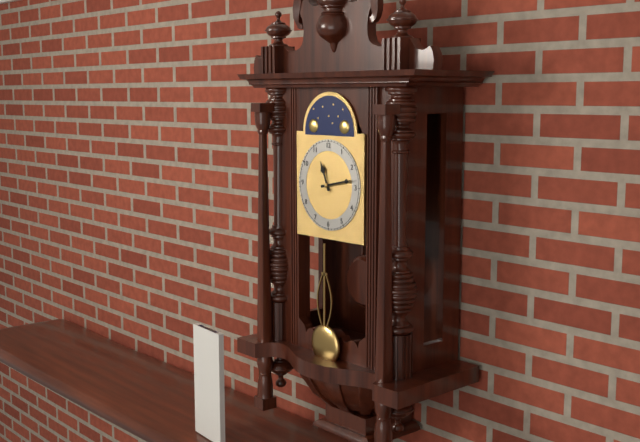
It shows 11.13
